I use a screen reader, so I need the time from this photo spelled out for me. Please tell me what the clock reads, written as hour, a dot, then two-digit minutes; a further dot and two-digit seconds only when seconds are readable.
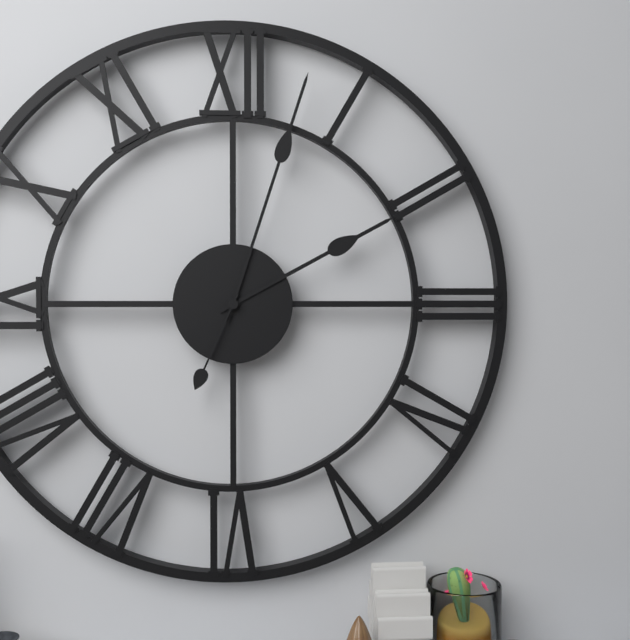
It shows 2.03.34
